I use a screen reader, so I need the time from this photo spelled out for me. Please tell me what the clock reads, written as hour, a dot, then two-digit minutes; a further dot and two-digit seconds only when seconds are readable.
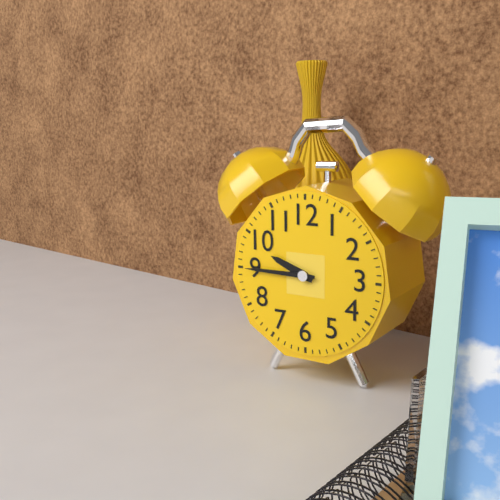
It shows 9.45
